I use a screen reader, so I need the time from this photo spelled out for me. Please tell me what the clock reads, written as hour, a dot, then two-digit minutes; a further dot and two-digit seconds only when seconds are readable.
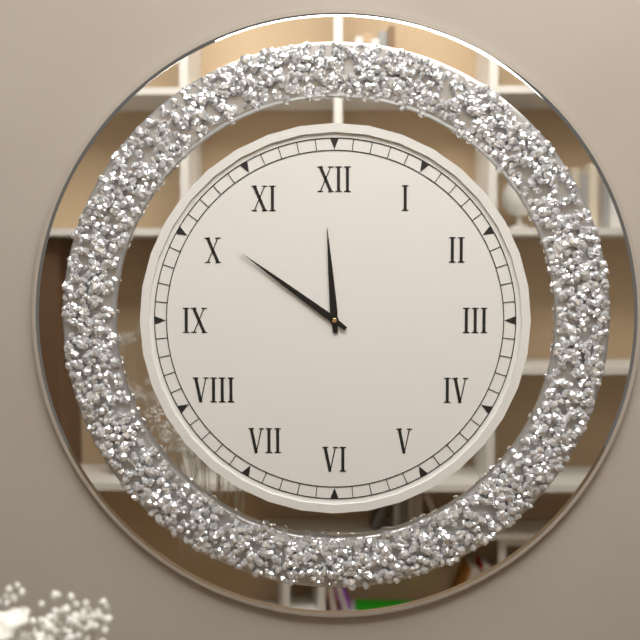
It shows 11.51
